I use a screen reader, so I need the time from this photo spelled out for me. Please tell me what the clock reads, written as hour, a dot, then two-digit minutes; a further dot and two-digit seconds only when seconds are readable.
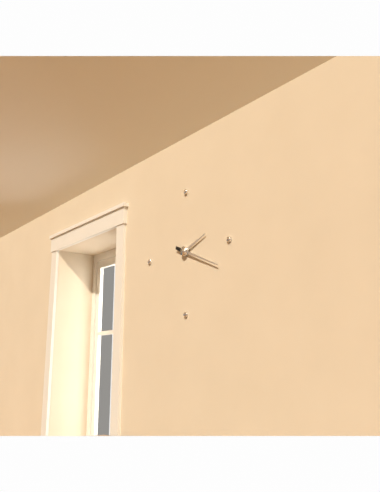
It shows 2.19
